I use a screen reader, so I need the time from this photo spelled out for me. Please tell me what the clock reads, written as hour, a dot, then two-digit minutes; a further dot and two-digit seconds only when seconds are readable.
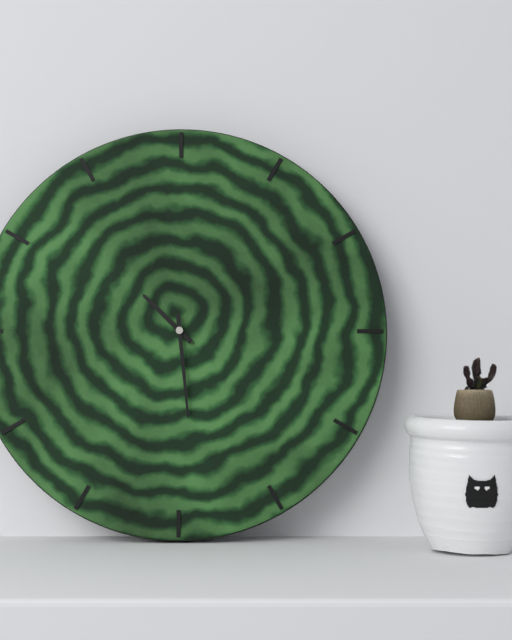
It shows 10.29
